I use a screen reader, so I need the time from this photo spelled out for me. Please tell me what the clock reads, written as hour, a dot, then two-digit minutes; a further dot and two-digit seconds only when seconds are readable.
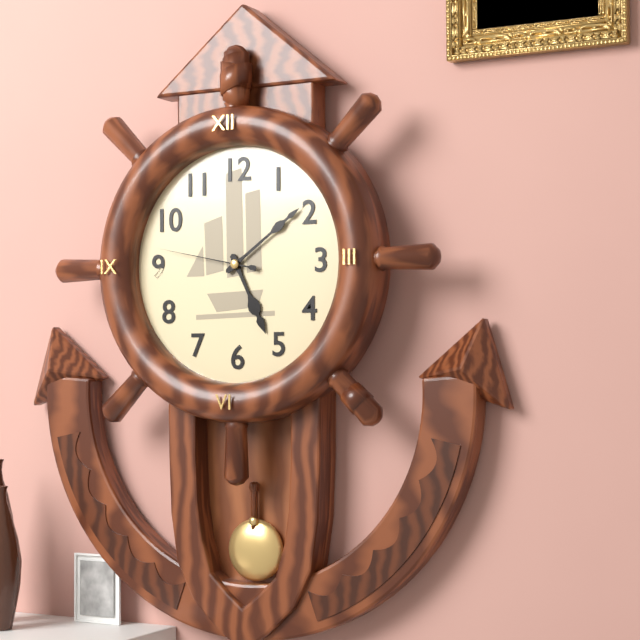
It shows 5.09.47
